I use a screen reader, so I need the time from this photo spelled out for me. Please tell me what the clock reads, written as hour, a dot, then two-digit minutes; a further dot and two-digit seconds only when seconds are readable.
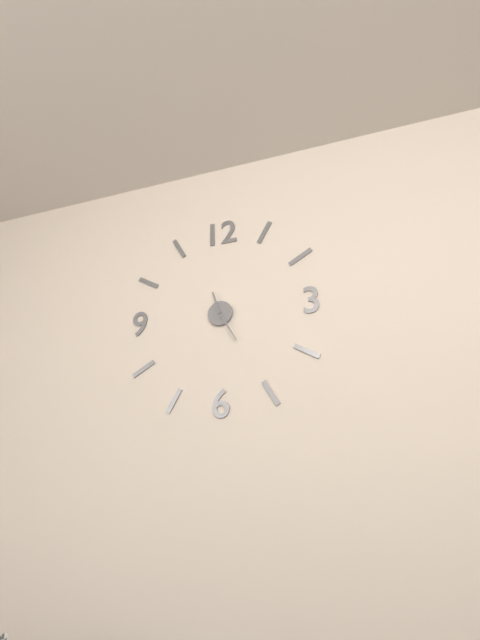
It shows 11.25
